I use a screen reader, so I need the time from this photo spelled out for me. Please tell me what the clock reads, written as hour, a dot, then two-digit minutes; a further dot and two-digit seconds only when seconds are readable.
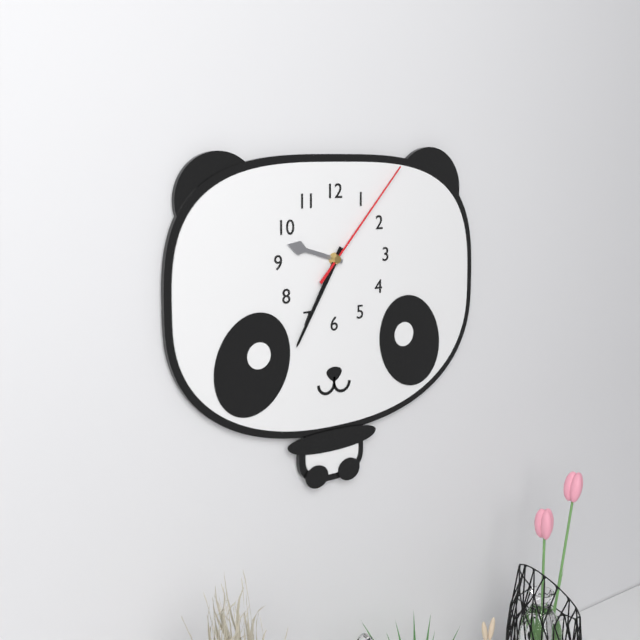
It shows 9.35.07
